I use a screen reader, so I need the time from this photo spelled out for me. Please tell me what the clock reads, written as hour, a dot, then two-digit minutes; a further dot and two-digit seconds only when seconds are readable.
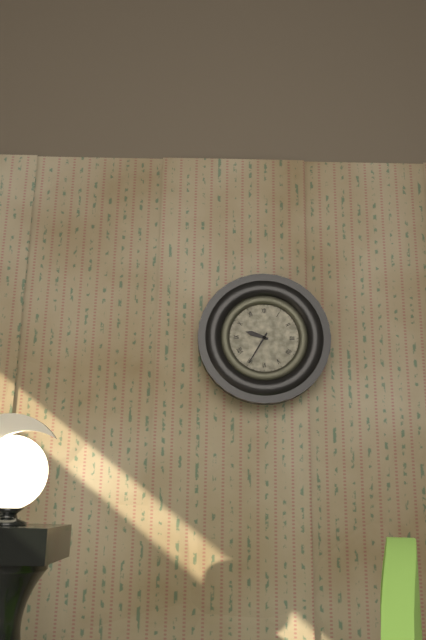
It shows 9.35
